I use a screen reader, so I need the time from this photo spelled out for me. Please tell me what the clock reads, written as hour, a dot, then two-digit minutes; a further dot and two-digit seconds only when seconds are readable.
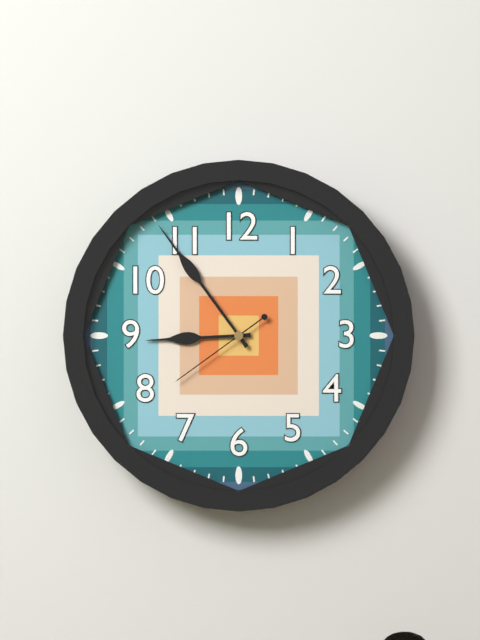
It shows 8.54.39
